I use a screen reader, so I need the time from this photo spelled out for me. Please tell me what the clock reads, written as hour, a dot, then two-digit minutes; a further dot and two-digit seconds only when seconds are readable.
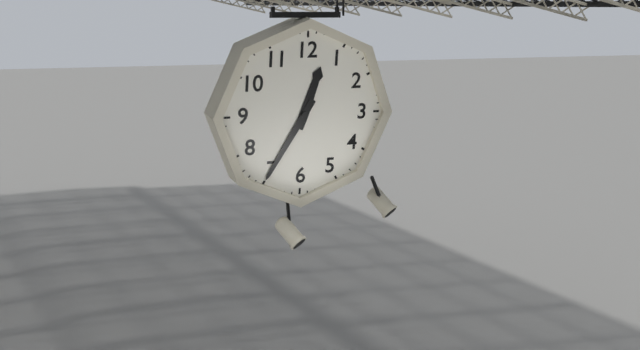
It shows 12.35
